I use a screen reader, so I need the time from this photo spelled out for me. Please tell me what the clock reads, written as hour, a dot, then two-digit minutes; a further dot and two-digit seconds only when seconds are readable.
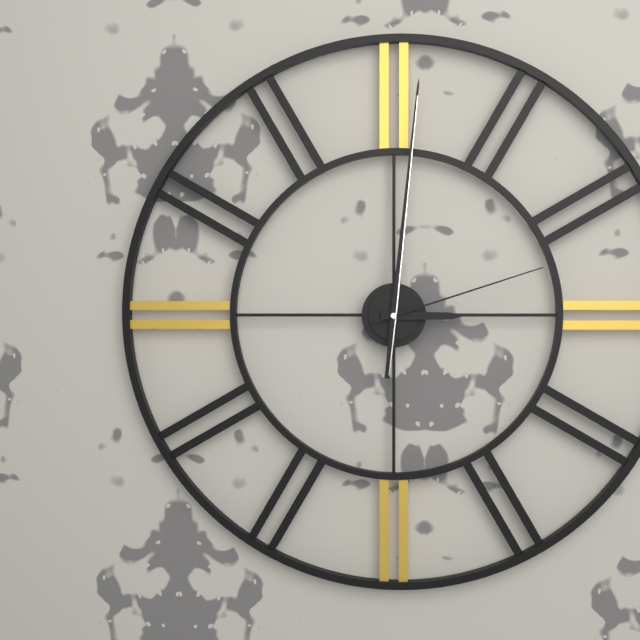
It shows 3.01.12
